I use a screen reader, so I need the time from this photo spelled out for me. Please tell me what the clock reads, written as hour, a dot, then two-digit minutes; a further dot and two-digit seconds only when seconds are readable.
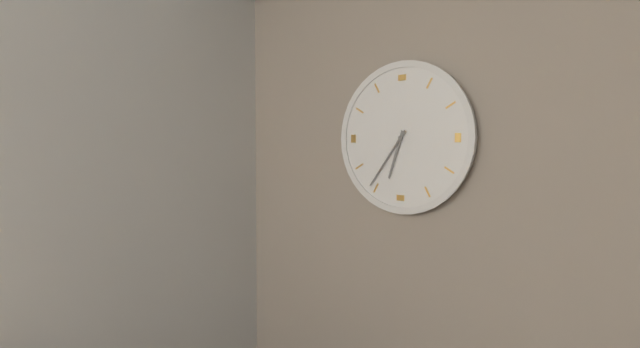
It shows 6.36
